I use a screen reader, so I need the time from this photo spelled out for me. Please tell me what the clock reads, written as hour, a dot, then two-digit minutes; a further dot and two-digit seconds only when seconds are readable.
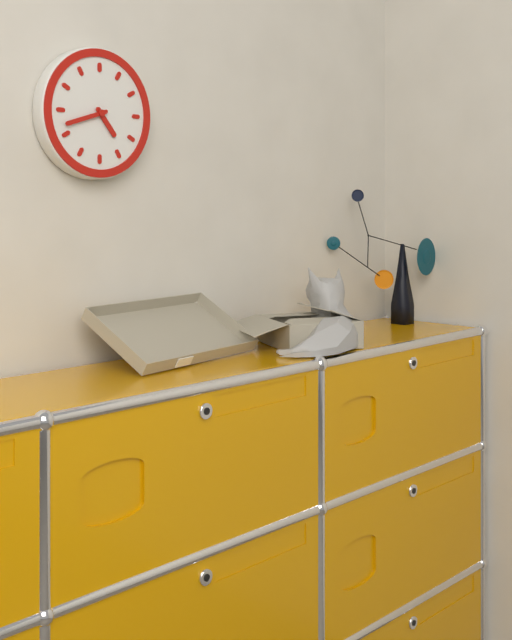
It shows 4.42
